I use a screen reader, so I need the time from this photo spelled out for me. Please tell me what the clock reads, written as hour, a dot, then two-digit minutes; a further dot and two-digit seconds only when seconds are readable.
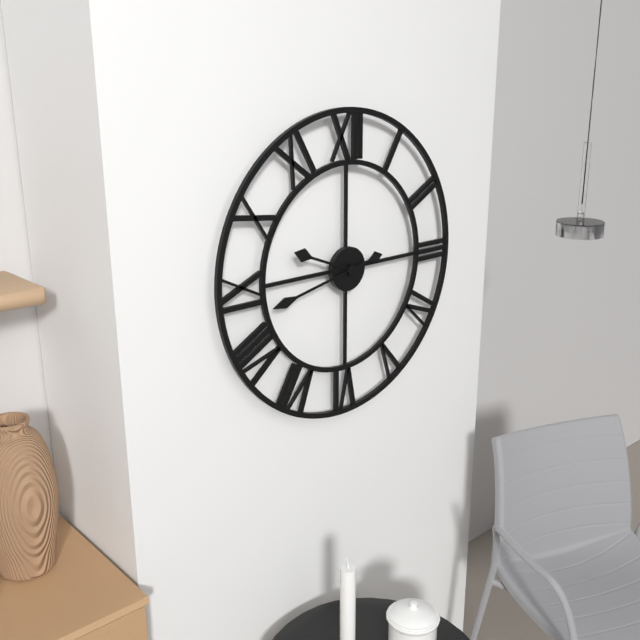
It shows 9.43
